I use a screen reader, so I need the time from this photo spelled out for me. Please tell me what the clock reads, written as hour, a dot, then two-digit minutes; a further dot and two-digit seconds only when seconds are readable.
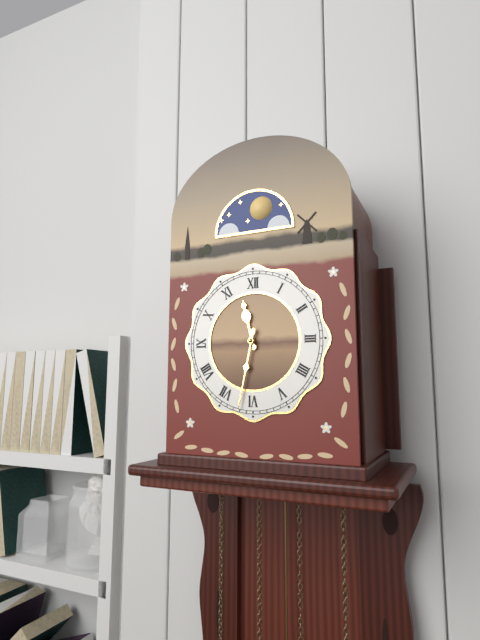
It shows 11.32
